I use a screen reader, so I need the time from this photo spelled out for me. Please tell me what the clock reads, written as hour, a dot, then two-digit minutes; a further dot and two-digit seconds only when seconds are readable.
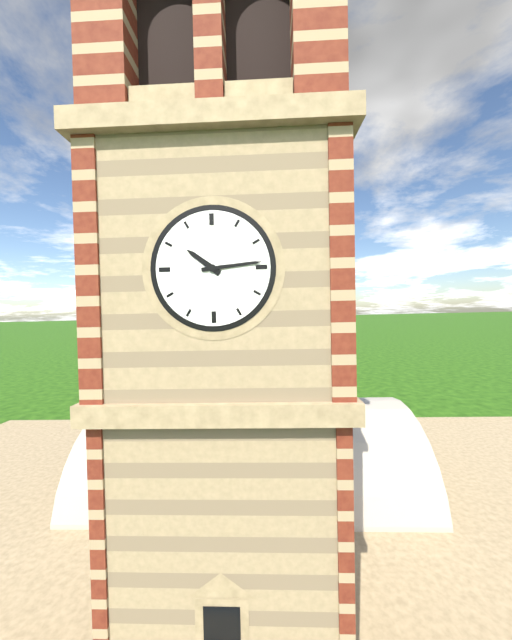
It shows 10.14
